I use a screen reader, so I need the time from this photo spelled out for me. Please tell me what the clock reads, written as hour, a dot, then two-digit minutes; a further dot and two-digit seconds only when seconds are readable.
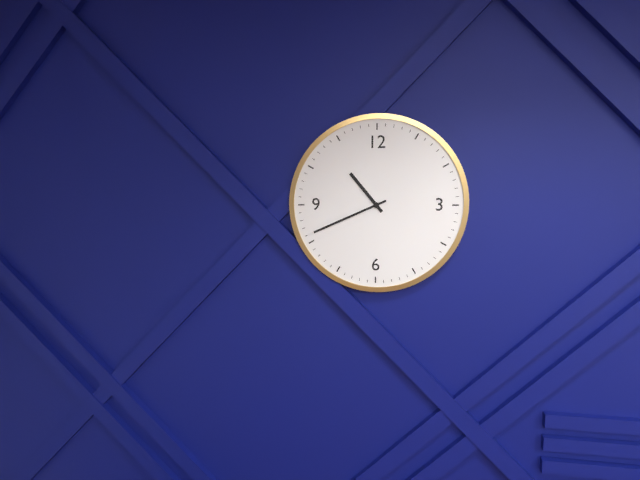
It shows 10.41
